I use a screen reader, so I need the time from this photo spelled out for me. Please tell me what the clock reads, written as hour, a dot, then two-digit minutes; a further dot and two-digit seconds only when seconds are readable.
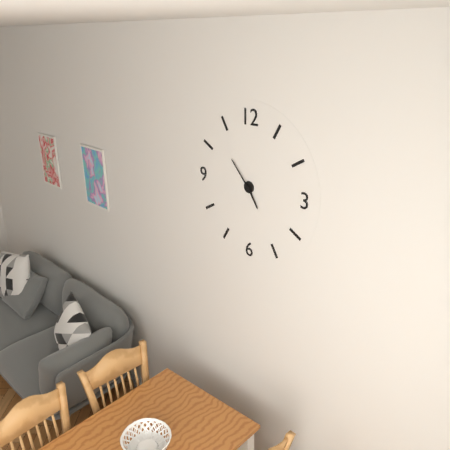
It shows 4.53
